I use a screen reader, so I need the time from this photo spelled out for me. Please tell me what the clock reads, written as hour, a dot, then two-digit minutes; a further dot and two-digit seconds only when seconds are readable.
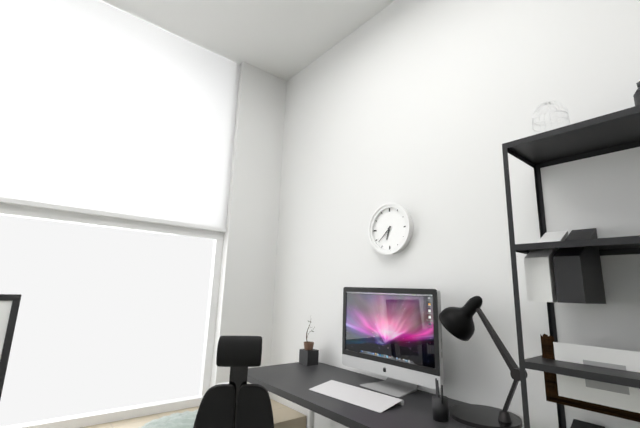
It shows 6.38
